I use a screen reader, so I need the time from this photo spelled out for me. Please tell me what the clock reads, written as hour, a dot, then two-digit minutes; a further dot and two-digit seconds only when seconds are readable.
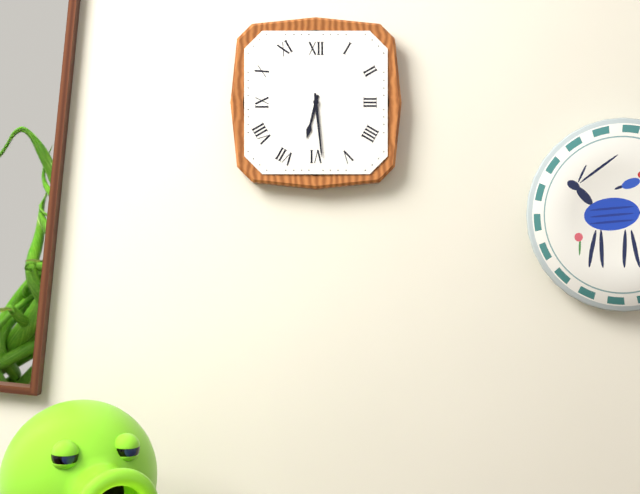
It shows 6.29
